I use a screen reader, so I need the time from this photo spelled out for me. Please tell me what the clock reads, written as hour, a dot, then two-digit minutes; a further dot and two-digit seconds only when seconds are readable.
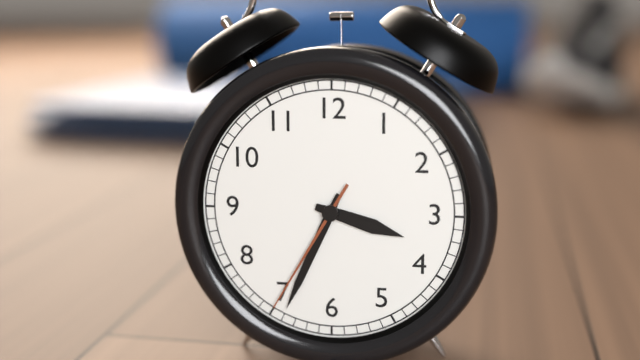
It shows 3.34.35
